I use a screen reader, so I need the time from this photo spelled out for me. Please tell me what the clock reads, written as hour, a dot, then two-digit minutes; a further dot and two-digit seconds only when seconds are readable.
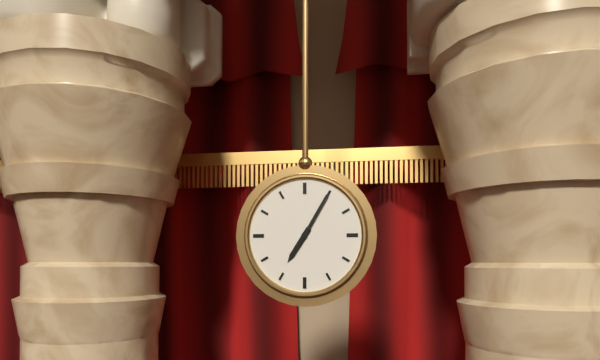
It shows 7.05
